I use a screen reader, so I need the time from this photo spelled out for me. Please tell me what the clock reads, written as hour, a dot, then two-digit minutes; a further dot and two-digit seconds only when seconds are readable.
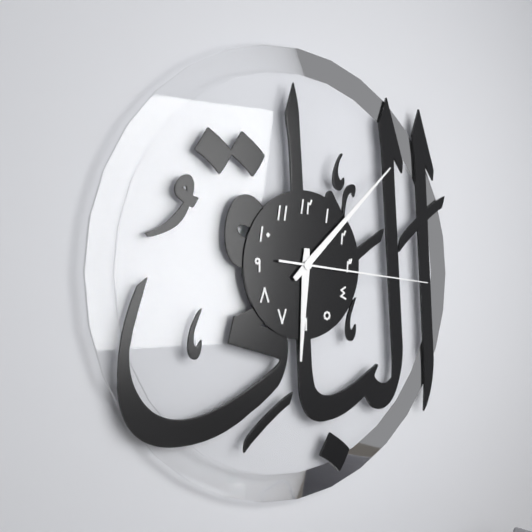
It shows 6.08.16
